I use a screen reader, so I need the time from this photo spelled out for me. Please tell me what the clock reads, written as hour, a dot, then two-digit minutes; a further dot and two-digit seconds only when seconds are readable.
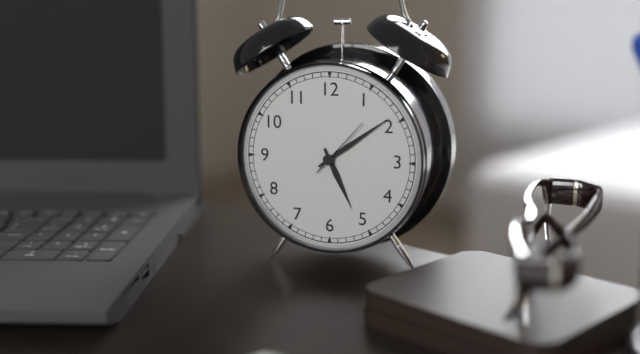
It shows 5.09.07
